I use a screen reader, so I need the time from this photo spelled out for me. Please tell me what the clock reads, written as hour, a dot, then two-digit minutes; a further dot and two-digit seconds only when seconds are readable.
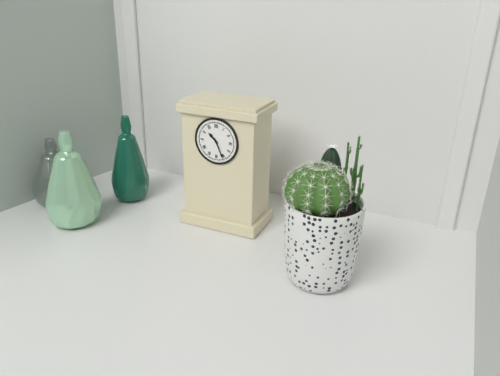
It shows 10.26
